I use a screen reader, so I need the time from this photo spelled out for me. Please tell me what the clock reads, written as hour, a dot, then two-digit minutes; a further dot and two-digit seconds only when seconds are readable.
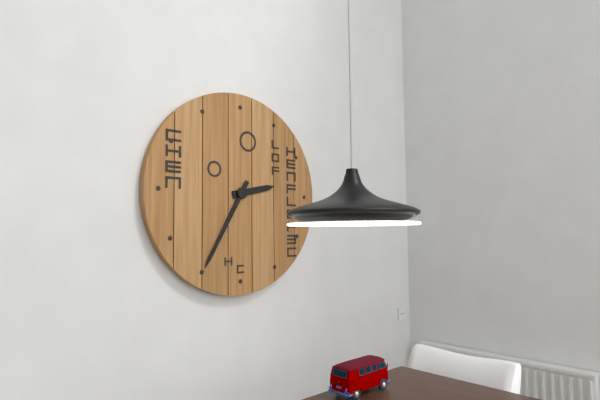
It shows 2.35
